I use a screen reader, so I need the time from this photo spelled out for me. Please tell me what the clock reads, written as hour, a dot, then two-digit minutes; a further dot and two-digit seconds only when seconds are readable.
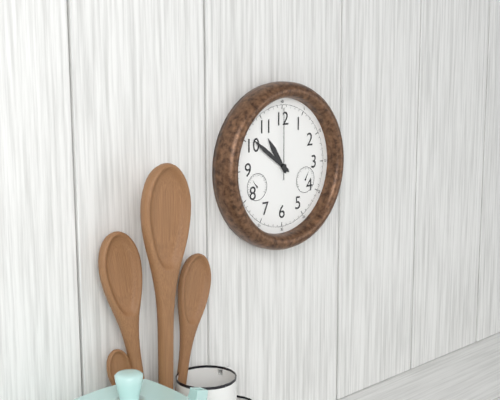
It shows 10.51.00
